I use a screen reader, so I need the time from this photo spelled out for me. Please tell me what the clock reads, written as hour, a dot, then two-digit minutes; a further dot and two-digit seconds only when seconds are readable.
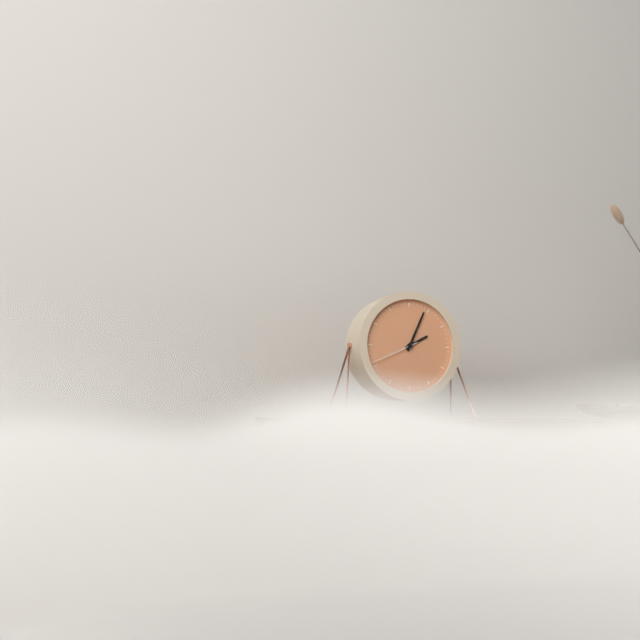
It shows 2.04
